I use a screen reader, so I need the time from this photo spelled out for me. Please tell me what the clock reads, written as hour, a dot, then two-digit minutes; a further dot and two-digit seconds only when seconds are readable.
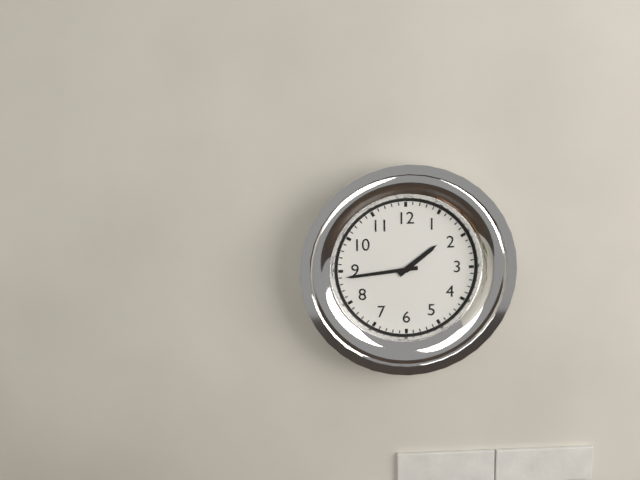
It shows 1.44
